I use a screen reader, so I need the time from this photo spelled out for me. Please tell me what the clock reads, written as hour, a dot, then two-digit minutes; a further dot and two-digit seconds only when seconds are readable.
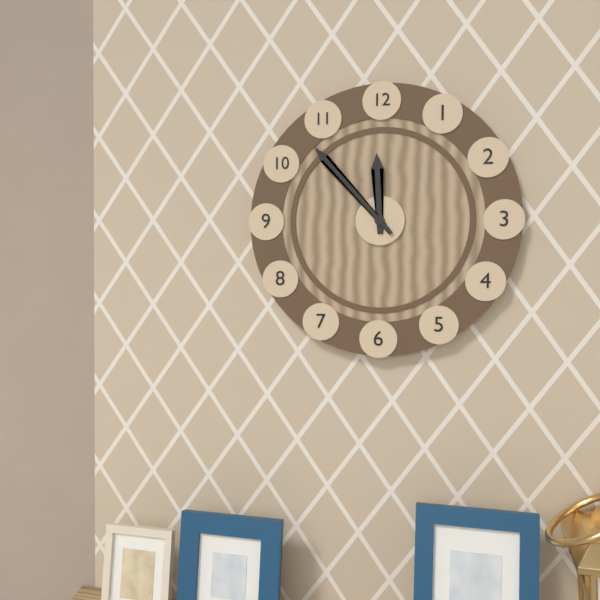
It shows 11.53
